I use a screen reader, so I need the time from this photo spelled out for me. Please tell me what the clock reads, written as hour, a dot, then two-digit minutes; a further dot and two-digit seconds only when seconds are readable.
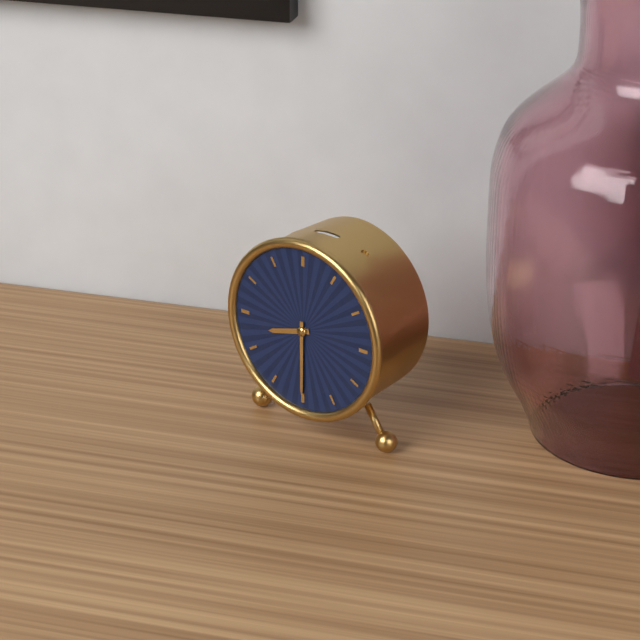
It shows 8.30
